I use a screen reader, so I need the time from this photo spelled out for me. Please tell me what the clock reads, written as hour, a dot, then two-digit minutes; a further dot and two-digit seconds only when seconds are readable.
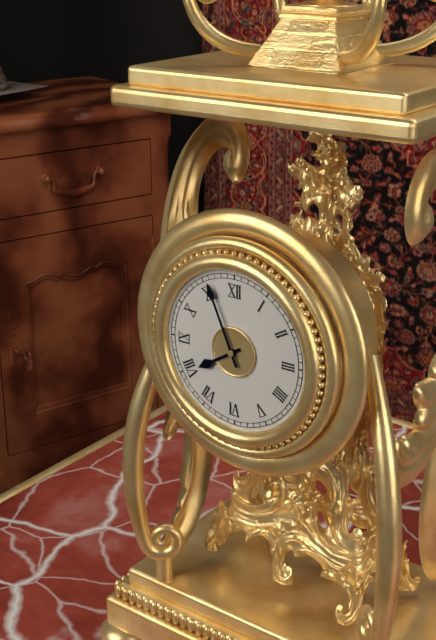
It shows 7.56
